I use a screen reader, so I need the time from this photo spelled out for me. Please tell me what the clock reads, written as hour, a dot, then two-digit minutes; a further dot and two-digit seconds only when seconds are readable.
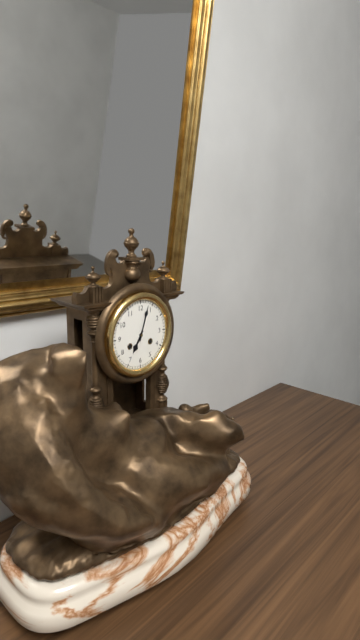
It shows 7.03
